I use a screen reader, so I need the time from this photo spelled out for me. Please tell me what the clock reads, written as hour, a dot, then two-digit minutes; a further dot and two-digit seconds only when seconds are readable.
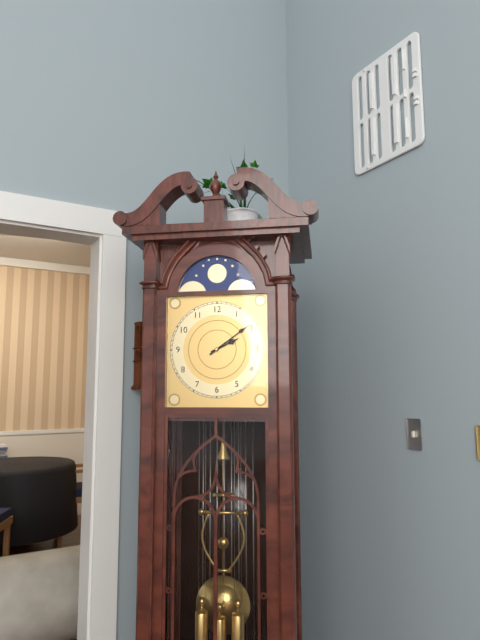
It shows 2.09
